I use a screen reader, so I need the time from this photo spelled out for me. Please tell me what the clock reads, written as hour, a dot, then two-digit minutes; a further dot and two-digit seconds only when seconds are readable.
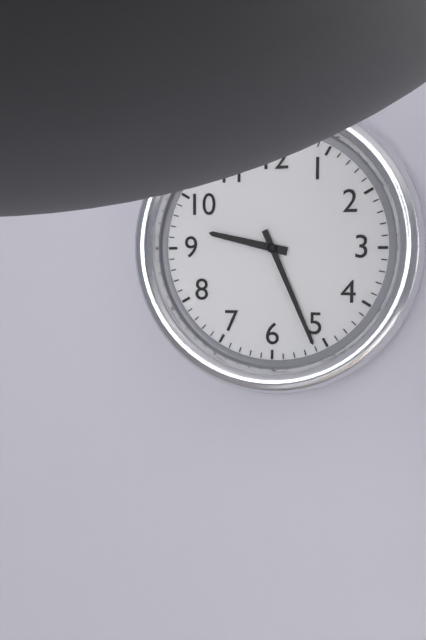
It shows 9.26
